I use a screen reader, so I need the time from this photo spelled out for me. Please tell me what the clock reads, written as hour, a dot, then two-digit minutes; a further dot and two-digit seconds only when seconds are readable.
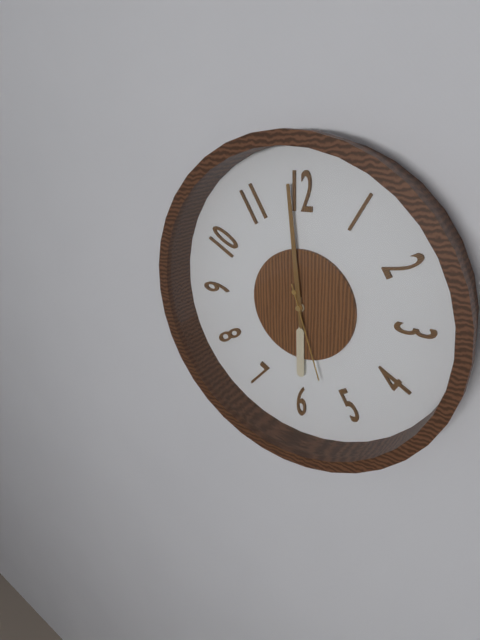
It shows 5.59.27
